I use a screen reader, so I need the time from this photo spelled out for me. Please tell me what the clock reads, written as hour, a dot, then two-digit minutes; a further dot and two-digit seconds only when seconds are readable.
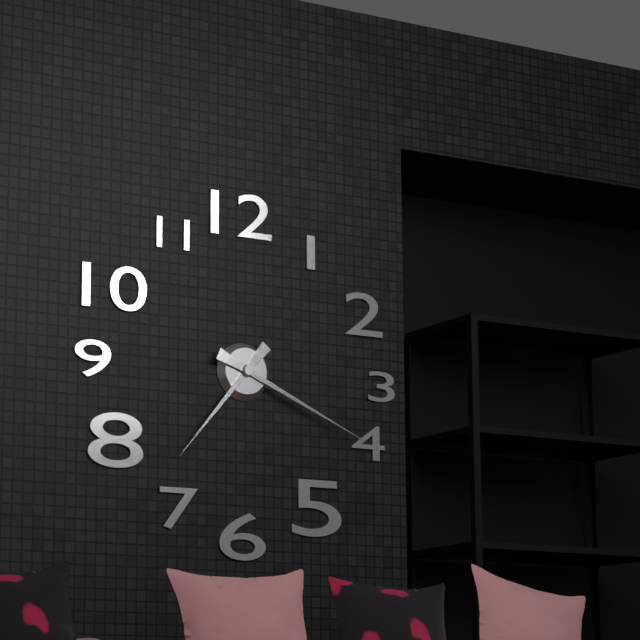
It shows 7.19
